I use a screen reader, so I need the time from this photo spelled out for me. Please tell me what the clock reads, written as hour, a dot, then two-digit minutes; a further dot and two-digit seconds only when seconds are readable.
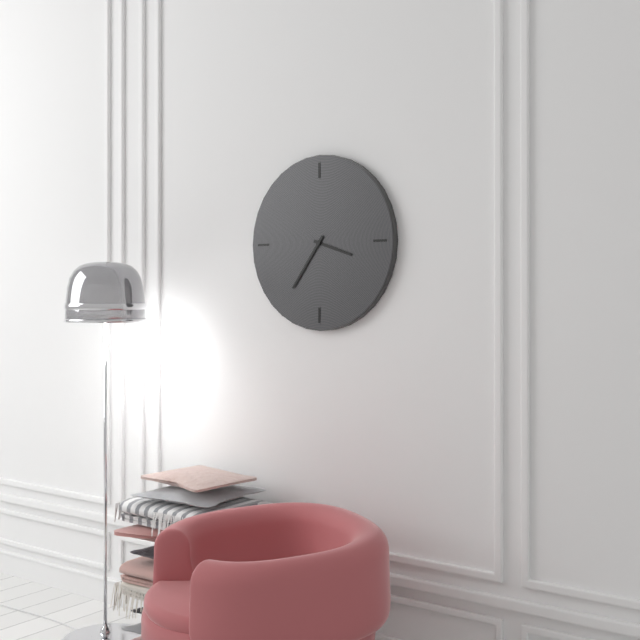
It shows 3.36
